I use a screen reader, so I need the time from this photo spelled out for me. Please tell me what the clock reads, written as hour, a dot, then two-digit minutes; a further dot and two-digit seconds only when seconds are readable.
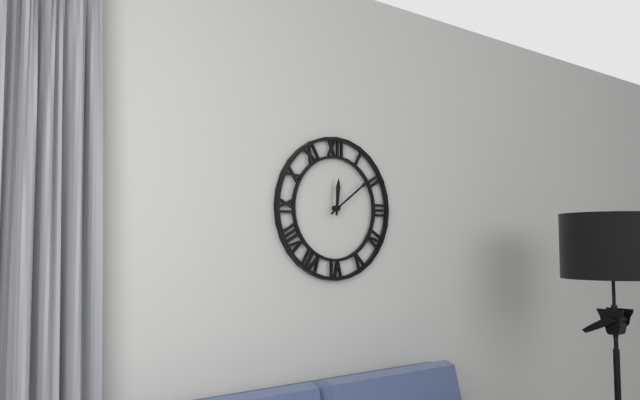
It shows 12.09
